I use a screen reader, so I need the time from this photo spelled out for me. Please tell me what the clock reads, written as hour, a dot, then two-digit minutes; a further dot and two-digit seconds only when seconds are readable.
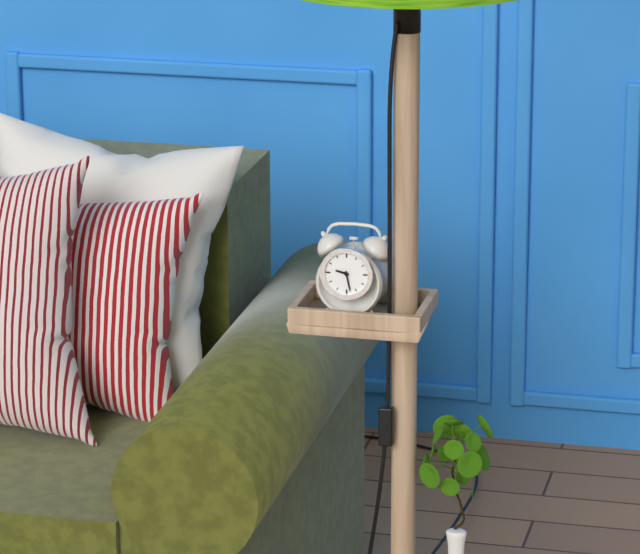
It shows 9.28
